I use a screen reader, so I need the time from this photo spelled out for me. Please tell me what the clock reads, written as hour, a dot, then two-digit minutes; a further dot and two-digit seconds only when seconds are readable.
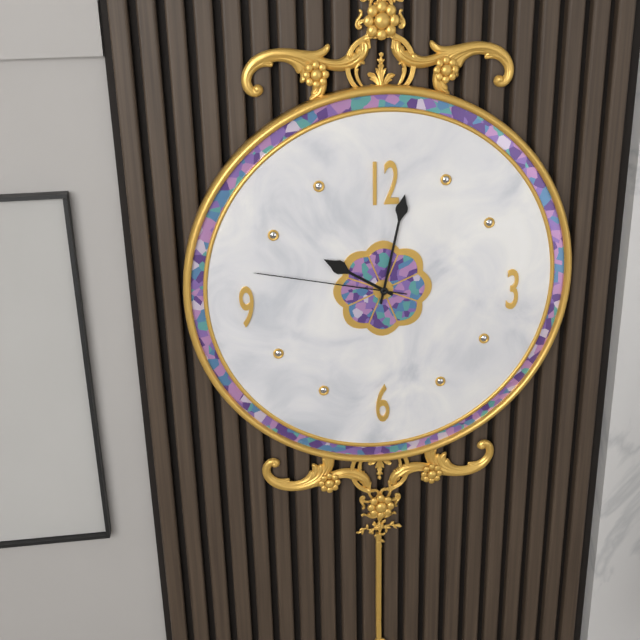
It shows 10.02.47
